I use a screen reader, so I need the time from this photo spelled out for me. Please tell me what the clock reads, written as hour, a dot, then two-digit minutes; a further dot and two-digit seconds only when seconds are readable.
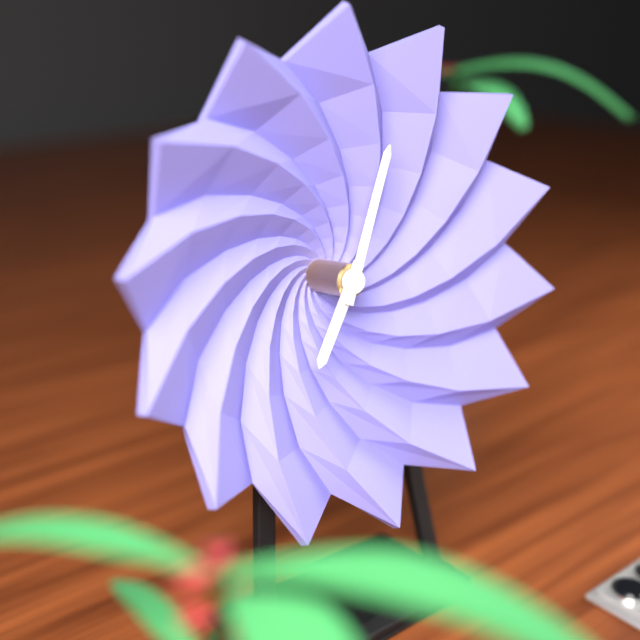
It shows 7.04
